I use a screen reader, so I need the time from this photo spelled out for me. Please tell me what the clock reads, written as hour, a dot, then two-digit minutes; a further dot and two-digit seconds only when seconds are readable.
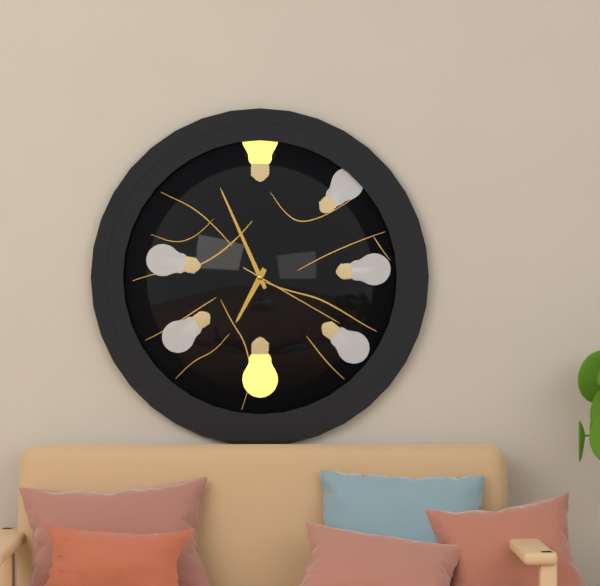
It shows 6.56.20
